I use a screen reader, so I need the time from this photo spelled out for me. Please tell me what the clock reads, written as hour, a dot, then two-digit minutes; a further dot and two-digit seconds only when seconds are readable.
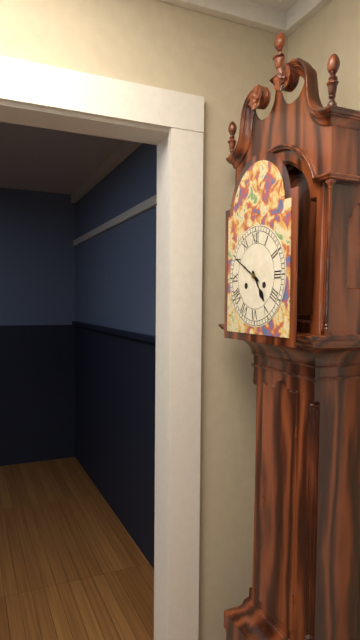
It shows 4.50
